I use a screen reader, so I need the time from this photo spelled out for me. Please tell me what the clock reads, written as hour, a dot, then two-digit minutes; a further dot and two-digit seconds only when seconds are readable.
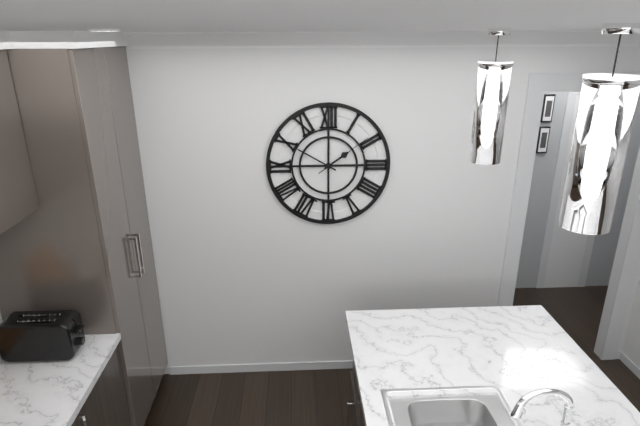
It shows 1.50.09
